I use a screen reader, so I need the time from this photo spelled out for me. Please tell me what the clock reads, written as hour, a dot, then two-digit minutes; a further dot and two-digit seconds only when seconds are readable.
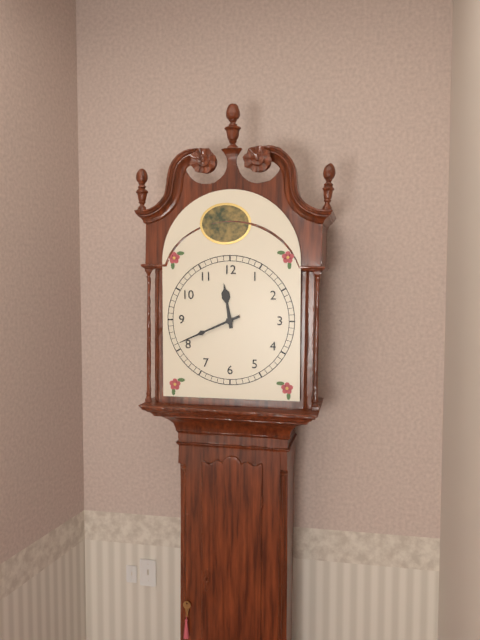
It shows 11.41
